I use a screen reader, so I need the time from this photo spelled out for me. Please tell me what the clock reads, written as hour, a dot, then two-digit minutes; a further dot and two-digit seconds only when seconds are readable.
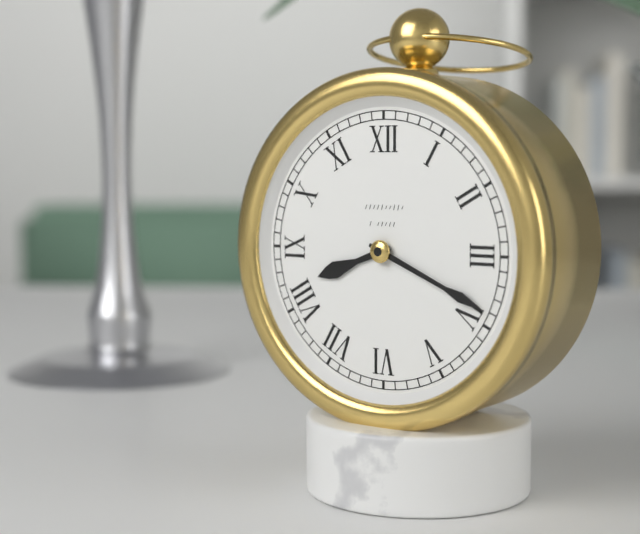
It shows 8.19
